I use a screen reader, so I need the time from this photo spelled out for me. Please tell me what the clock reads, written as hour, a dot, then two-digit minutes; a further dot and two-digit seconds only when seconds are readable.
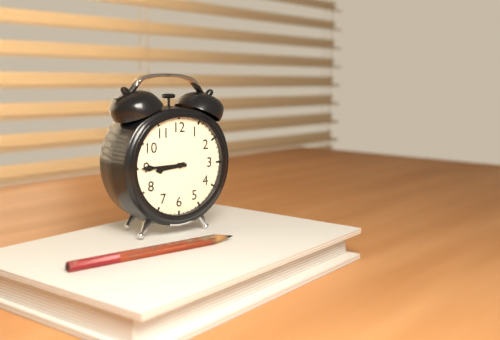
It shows 8.45
